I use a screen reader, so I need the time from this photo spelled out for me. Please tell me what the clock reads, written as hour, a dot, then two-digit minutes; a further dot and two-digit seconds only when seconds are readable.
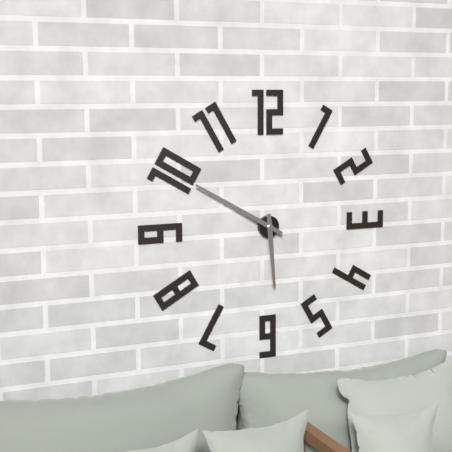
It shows 5.50
